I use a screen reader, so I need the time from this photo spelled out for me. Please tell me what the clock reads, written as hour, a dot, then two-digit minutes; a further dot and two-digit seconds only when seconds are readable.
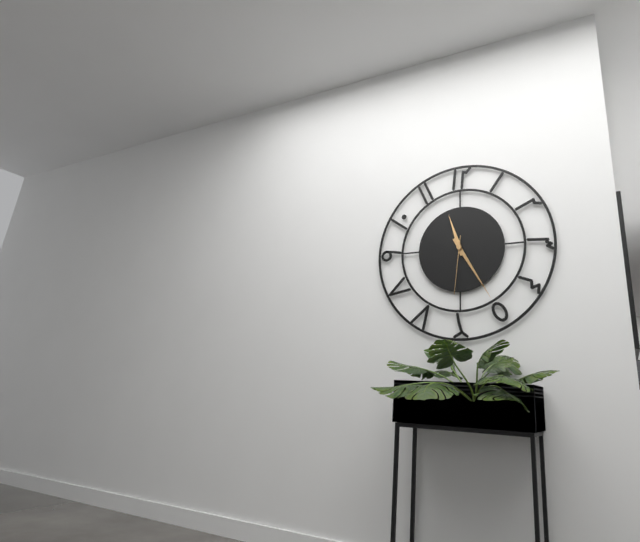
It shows 11.25.31
